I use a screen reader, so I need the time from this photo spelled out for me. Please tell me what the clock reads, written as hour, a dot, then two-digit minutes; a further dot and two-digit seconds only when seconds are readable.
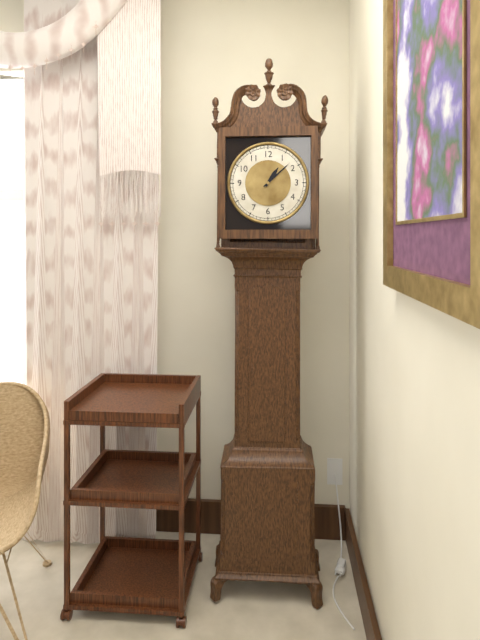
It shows 1.08
